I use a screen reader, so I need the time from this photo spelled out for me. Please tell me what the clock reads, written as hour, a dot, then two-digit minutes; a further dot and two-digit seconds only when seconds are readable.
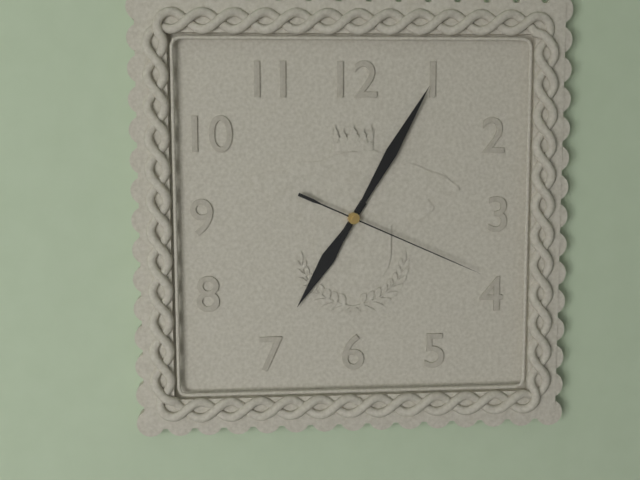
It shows 7.05.19
